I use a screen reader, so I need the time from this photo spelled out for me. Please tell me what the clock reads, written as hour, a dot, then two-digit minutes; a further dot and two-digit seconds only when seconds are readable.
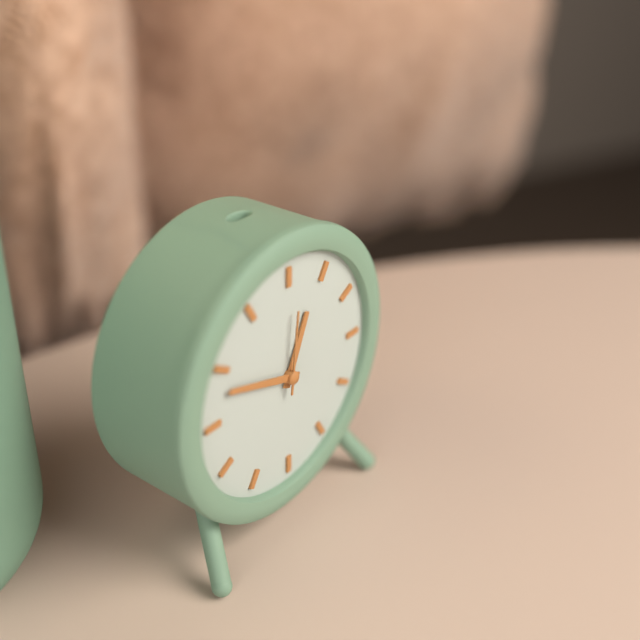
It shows 12.48.01
